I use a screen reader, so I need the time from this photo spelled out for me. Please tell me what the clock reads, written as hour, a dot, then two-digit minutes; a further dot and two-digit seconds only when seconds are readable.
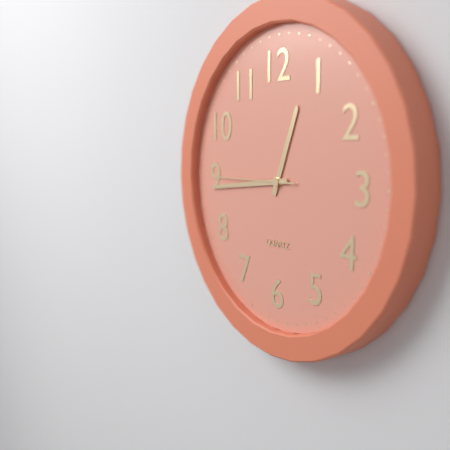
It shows 12.44.45
